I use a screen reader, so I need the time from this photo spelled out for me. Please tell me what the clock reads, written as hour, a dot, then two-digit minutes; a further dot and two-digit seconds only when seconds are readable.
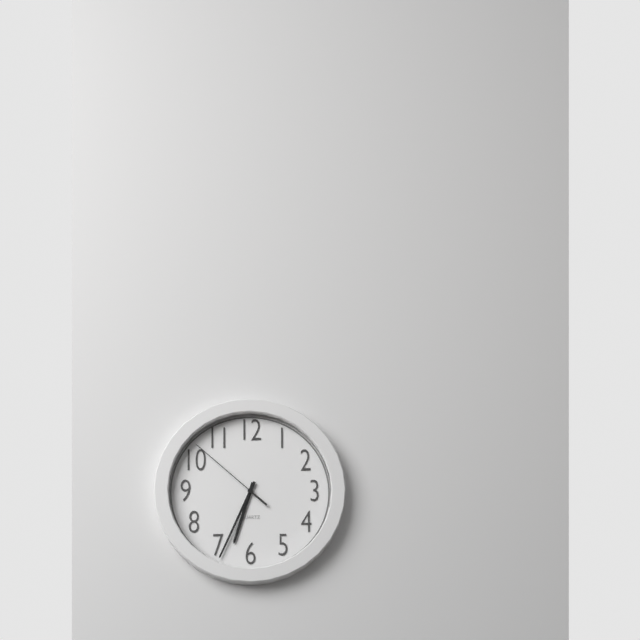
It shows 6.34.52
